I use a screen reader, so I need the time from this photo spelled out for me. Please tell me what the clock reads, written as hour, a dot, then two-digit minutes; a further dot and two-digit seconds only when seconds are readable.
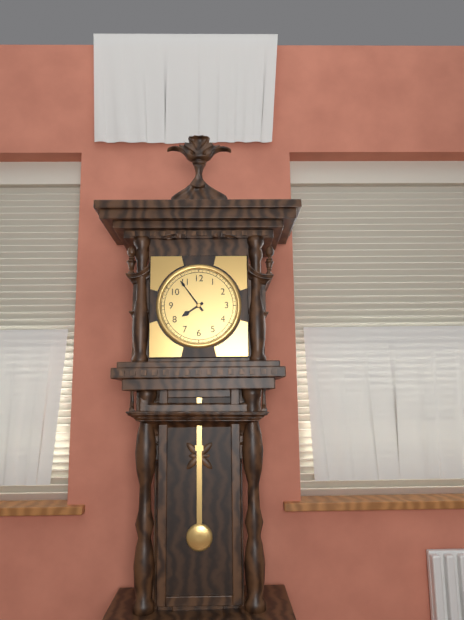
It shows 7.54
